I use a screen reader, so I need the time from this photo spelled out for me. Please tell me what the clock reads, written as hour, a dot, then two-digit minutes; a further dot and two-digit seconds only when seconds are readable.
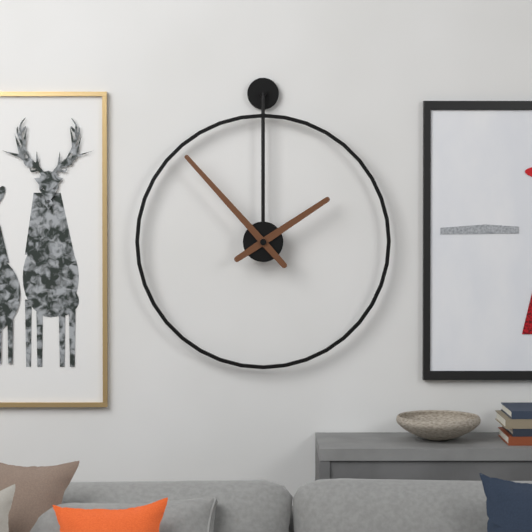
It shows 1.53
